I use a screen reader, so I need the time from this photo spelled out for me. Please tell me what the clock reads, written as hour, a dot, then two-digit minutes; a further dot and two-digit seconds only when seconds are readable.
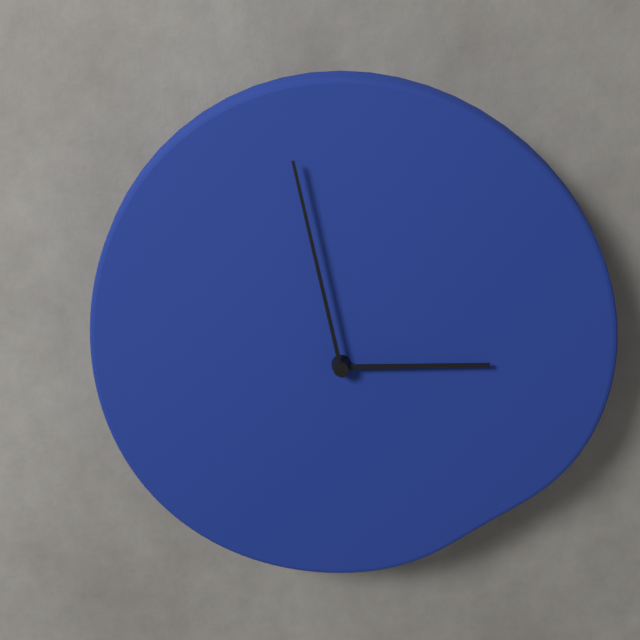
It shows 2.58
